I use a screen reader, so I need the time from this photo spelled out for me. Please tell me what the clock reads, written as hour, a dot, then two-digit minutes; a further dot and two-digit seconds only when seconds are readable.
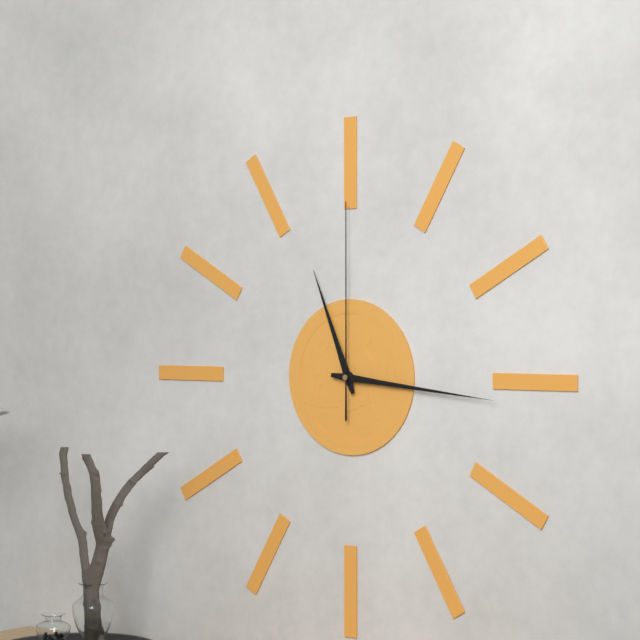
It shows 11.16.00
